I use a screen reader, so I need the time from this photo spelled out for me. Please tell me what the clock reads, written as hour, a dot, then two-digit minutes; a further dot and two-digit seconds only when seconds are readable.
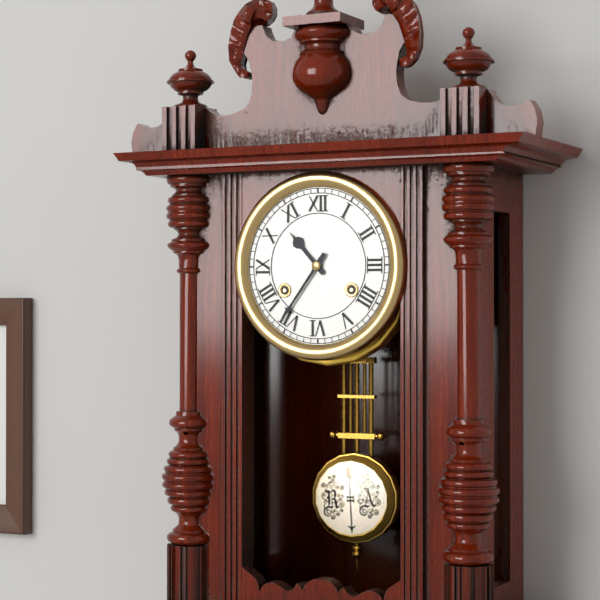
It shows 10.36
